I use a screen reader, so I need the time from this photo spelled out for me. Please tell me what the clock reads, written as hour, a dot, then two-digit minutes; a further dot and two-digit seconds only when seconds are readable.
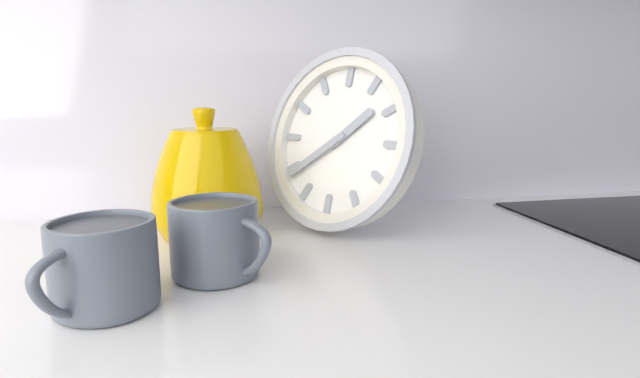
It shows 1.39
